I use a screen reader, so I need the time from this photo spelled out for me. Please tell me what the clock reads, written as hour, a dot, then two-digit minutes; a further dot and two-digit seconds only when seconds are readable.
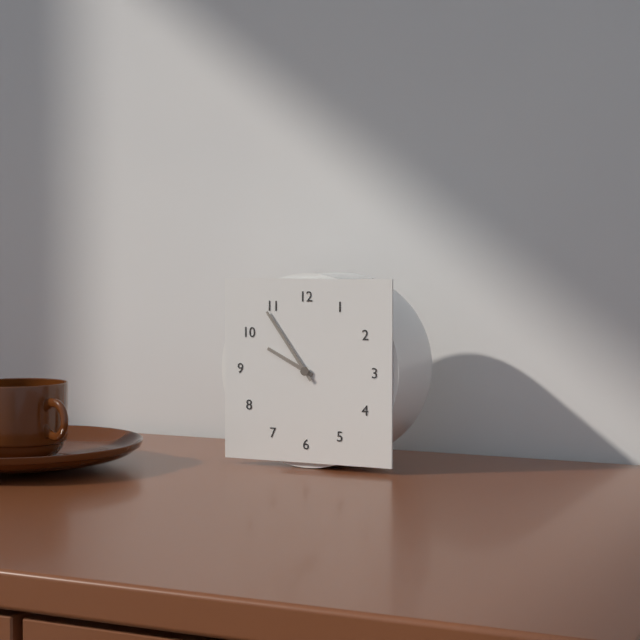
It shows 9.54
